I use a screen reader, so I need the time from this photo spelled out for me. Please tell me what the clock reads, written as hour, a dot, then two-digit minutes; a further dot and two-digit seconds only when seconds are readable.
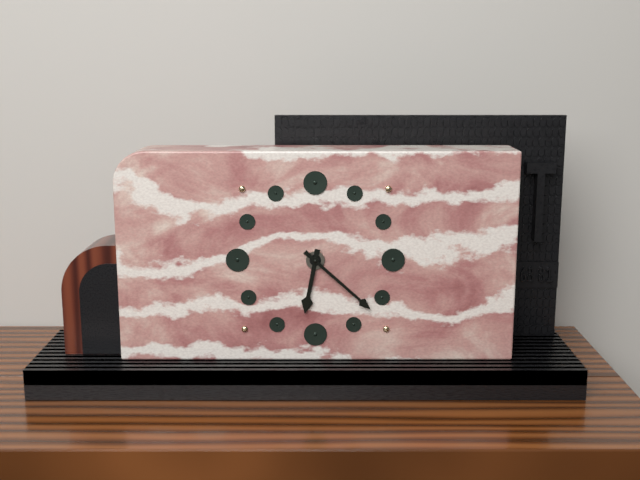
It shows 6.22
